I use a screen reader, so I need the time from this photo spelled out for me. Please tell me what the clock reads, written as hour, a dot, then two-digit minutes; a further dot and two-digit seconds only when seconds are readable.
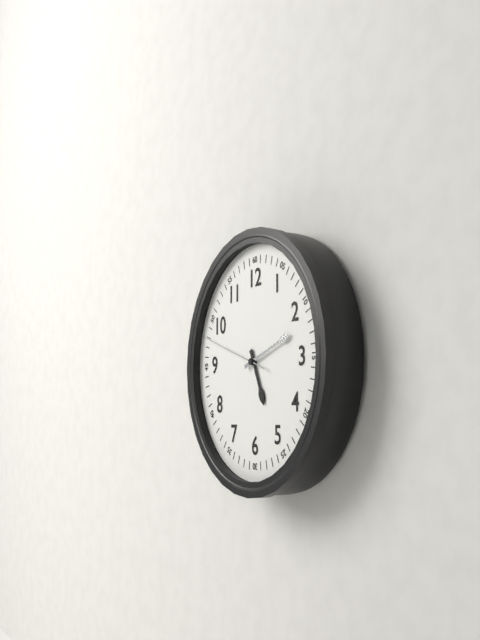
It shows 5.12.48
